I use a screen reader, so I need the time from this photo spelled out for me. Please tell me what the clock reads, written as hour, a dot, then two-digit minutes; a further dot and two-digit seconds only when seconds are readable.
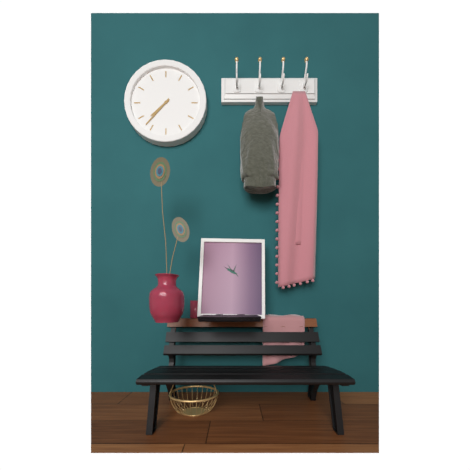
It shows 7.37
